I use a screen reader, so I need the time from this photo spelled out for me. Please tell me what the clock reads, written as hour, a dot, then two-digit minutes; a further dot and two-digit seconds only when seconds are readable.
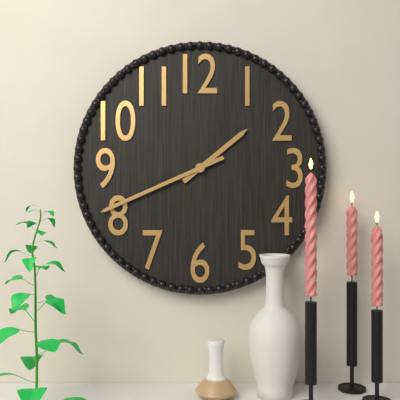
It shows 1.41
